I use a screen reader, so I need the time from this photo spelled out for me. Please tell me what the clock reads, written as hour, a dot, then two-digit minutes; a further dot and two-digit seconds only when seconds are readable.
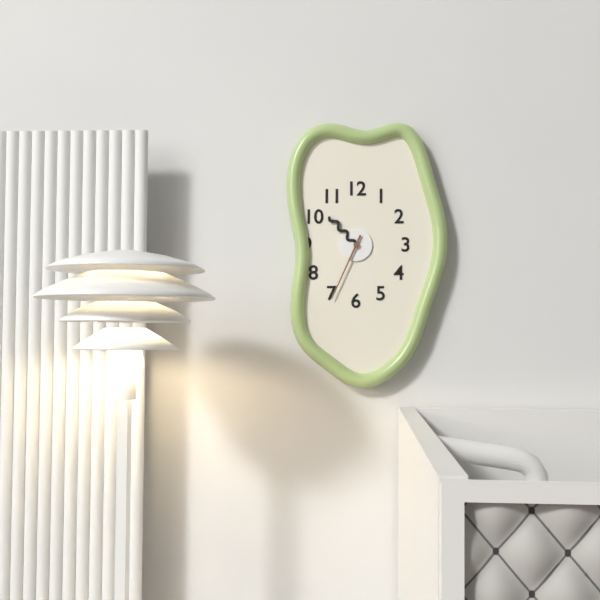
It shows 10.34
